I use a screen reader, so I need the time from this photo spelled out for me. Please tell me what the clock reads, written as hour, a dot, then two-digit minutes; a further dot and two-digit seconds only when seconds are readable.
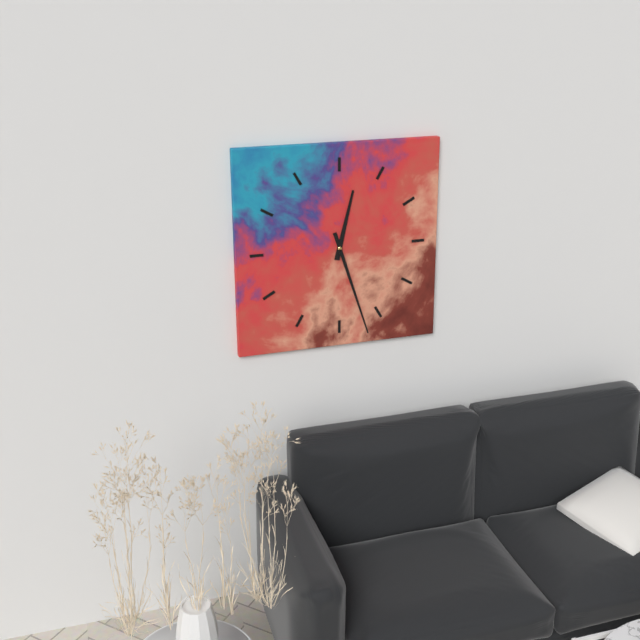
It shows 12.27
